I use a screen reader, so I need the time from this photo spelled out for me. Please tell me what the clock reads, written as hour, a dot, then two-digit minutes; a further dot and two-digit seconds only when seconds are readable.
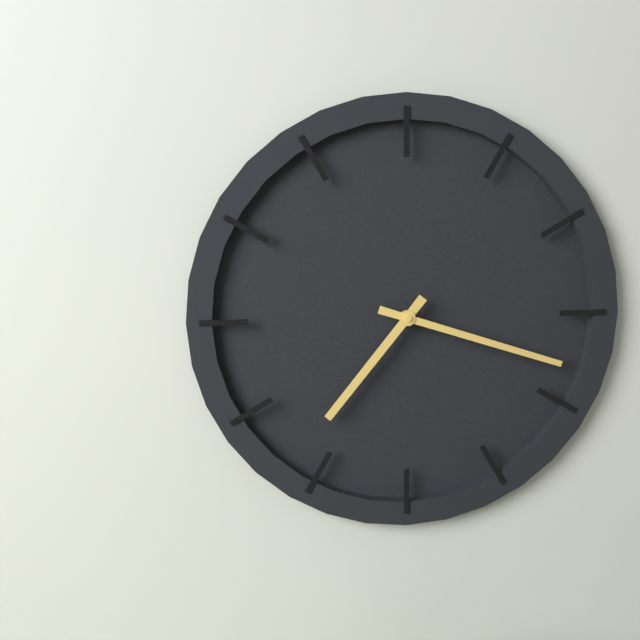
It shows 7.18
